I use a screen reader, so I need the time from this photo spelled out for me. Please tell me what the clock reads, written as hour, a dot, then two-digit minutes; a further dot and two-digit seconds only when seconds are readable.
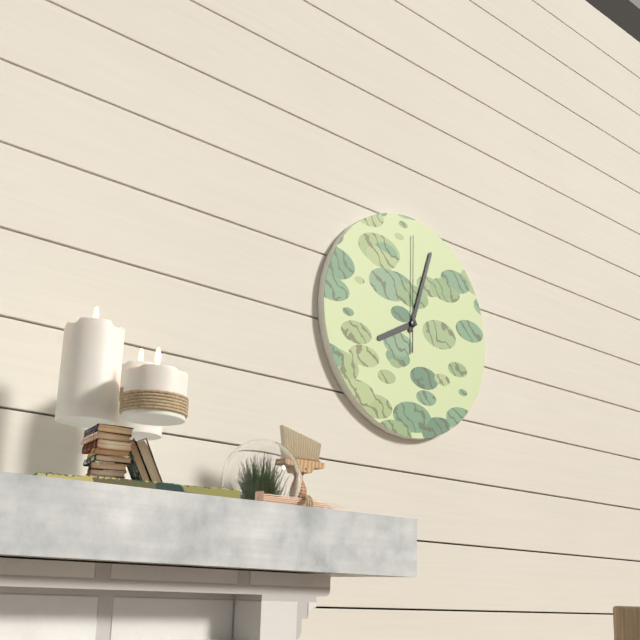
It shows 8.03.00
